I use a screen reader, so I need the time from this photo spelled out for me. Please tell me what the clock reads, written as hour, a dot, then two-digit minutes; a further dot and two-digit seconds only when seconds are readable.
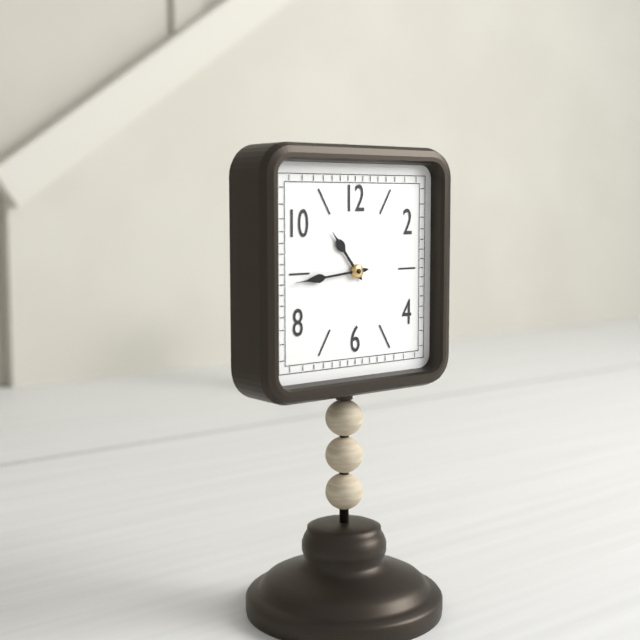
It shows 10.44
